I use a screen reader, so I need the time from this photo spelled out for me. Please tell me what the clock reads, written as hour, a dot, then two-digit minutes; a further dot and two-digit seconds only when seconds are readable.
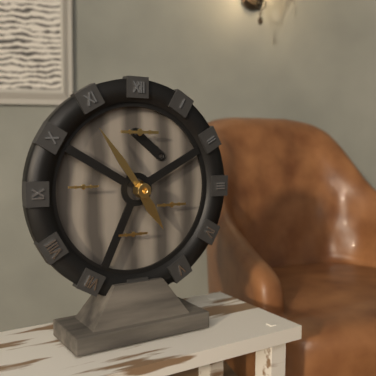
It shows 4.54
